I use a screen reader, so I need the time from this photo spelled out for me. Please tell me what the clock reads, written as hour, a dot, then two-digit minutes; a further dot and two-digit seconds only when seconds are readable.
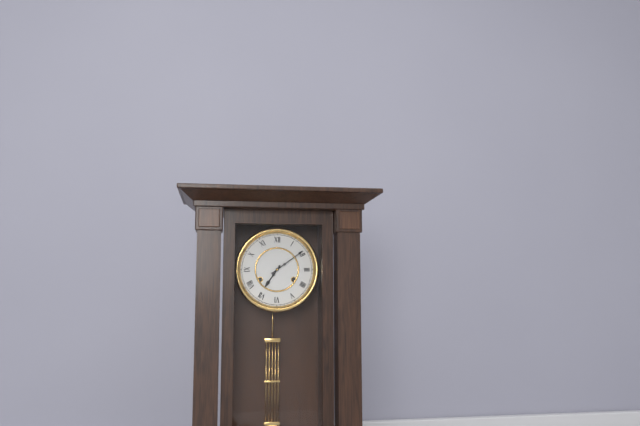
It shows 7.09
